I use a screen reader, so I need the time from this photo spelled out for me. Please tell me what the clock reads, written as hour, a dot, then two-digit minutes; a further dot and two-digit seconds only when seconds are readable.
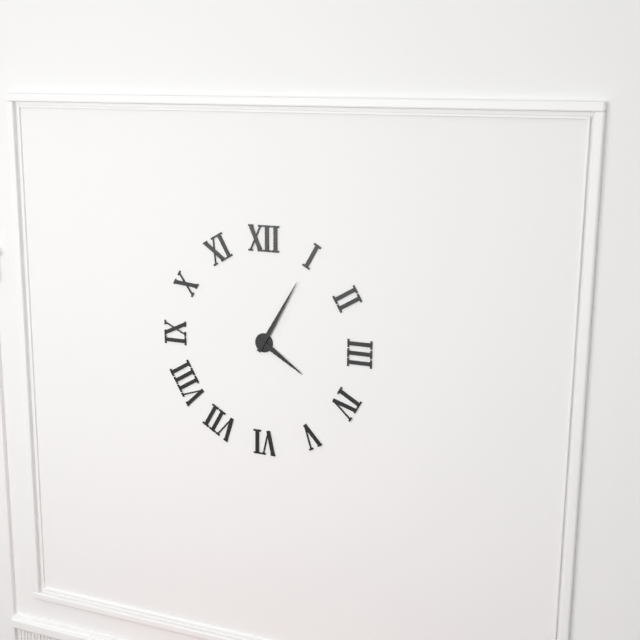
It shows 4.05
